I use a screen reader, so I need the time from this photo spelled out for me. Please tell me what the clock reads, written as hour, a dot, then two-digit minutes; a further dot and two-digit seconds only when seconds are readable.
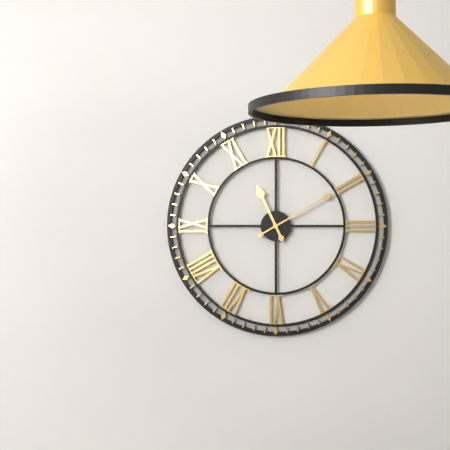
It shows 11.10
